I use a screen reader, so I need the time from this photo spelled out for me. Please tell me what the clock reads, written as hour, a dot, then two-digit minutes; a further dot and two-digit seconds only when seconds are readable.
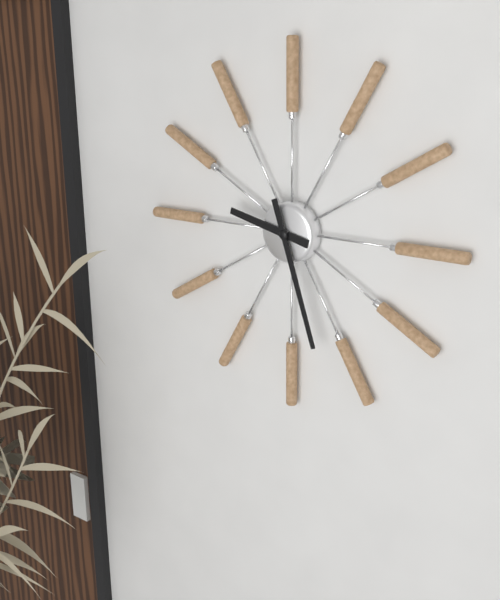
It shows 9.27
